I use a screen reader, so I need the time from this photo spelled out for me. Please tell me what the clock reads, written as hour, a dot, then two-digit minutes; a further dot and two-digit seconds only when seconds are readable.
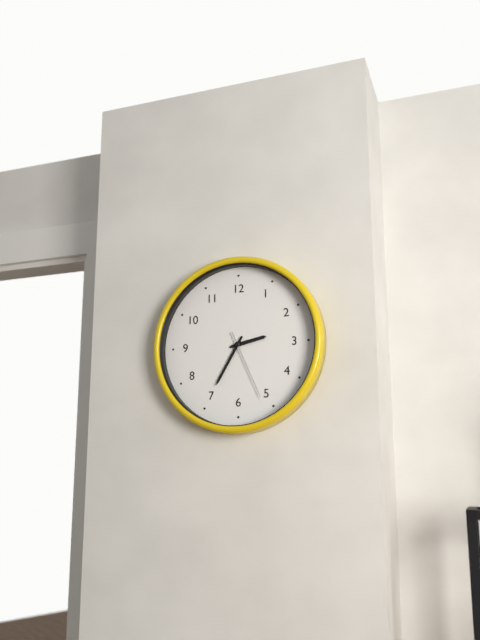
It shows 2.35.26
